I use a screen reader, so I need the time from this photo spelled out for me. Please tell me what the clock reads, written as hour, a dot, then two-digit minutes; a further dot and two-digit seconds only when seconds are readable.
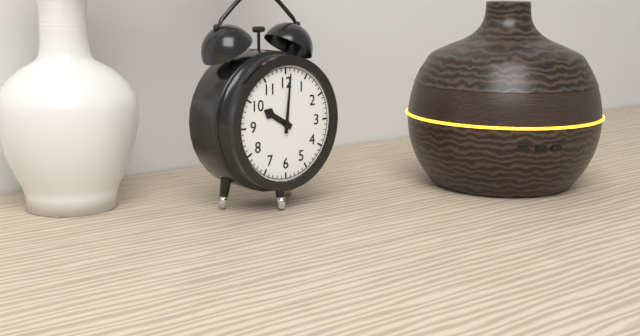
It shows 10.01
